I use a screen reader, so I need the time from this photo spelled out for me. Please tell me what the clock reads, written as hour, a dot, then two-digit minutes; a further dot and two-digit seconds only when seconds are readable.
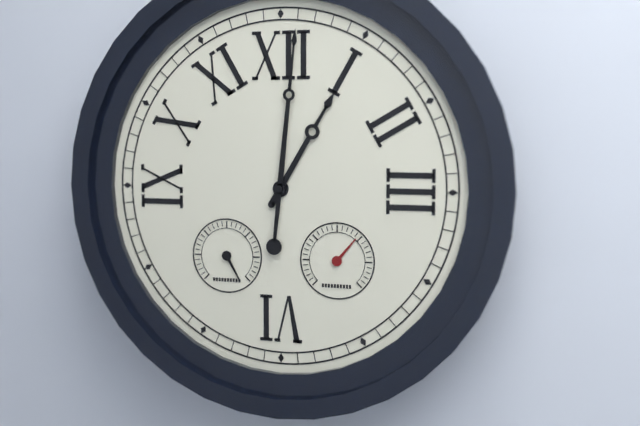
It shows 1.01
